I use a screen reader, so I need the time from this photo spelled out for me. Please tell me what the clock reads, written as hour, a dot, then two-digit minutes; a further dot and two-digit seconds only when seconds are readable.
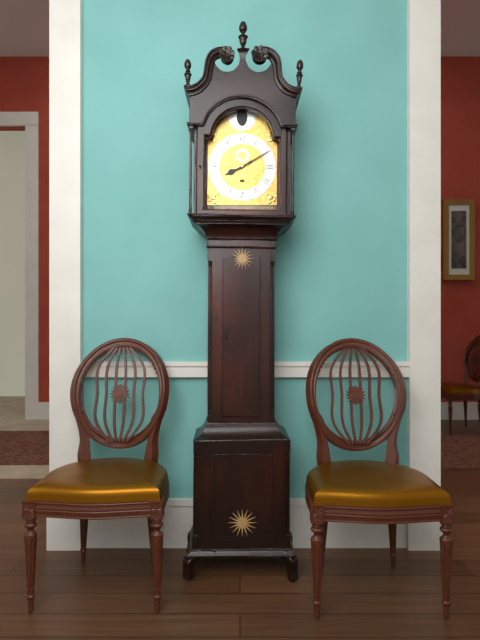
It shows 8.10
